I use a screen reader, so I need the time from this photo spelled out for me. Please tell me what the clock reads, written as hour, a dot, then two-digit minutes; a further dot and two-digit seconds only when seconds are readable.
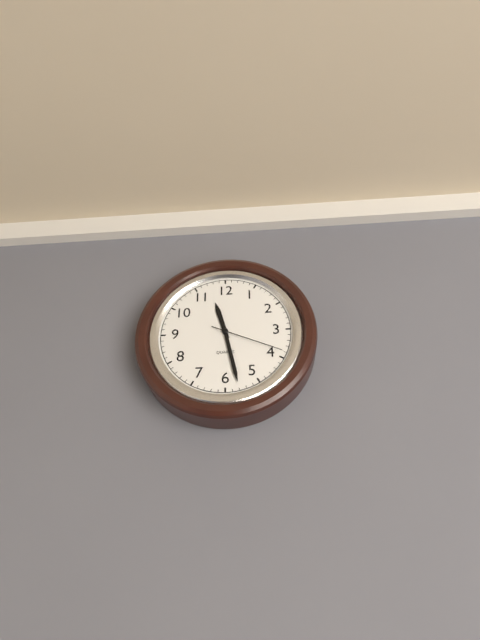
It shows 11.28.19
